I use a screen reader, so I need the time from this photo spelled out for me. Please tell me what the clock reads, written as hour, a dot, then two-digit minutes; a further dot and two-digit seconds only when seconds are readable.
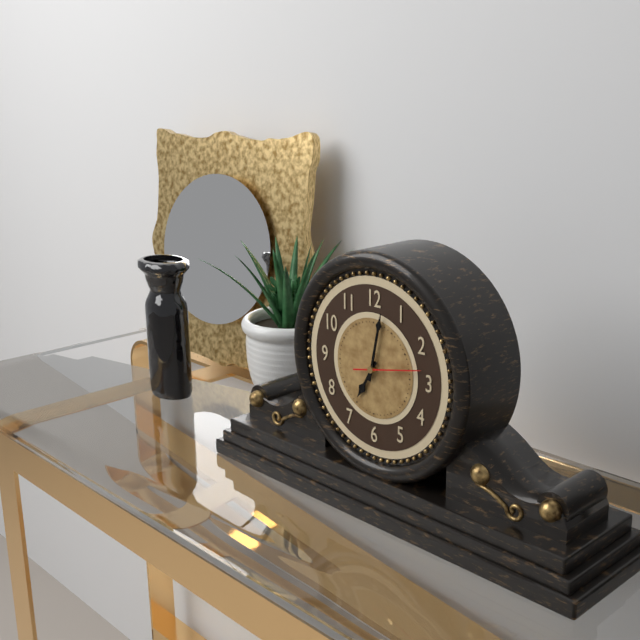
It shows 7.02.13
